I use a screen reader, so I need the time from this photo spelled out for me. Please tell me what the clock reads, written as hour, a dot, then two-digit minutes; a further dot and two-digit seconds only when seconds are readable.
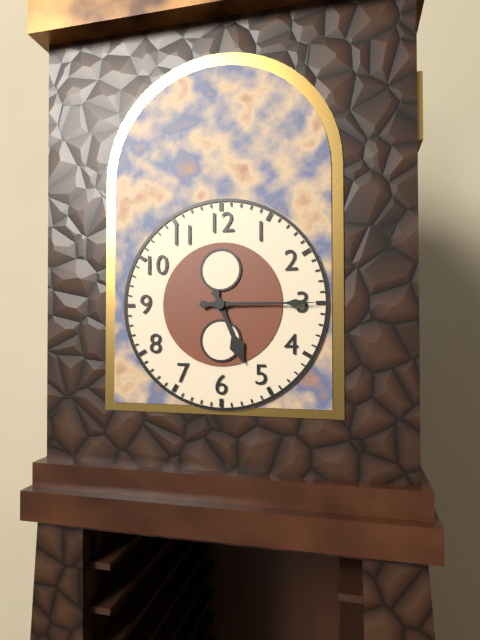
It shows 5.15
